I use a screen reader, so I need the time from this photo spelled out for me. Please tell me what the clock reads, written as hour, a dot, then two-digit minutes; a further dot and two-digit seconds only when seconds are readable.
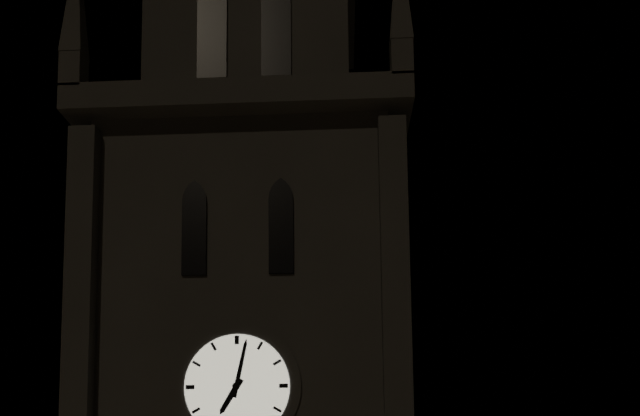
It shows 7.02
